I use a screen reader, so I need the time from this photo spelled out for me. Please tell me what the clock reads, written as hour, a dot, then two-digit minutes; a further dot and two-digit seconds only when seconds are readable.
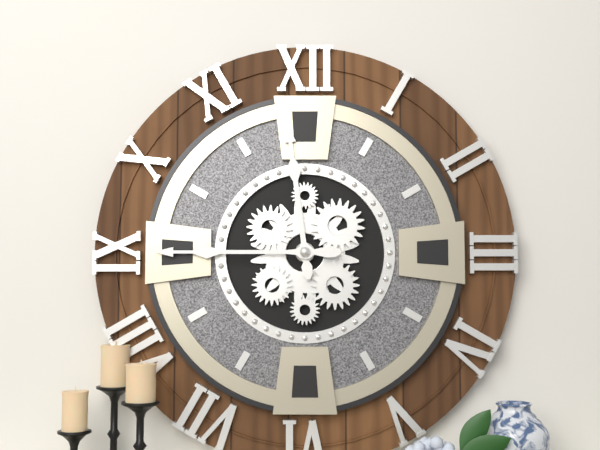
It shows 11.45
